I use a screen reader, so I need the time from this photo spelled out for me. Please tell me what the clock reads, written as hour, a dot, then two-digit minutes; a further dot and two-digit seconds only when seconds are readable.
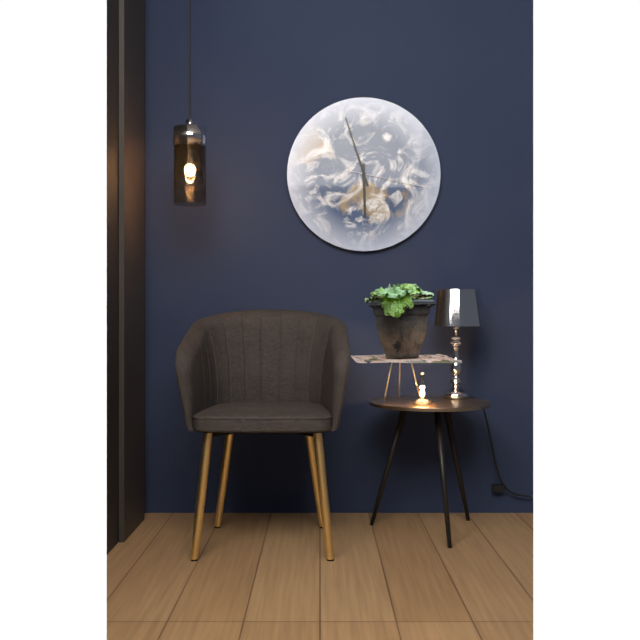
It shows 5.57.17
